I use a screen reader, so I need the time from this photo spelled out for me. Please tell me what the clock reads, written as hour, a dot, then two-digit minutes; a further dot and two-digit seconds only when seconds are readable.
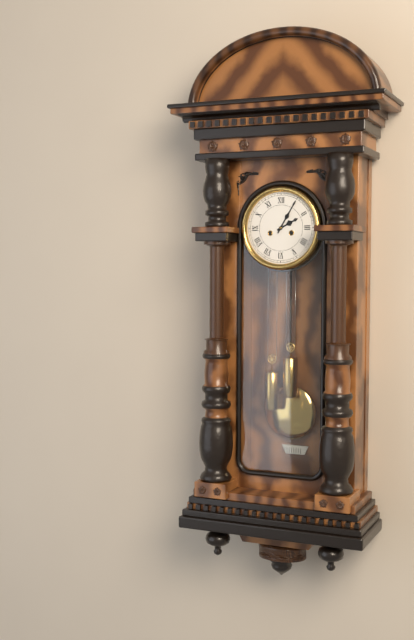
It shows 2.05
